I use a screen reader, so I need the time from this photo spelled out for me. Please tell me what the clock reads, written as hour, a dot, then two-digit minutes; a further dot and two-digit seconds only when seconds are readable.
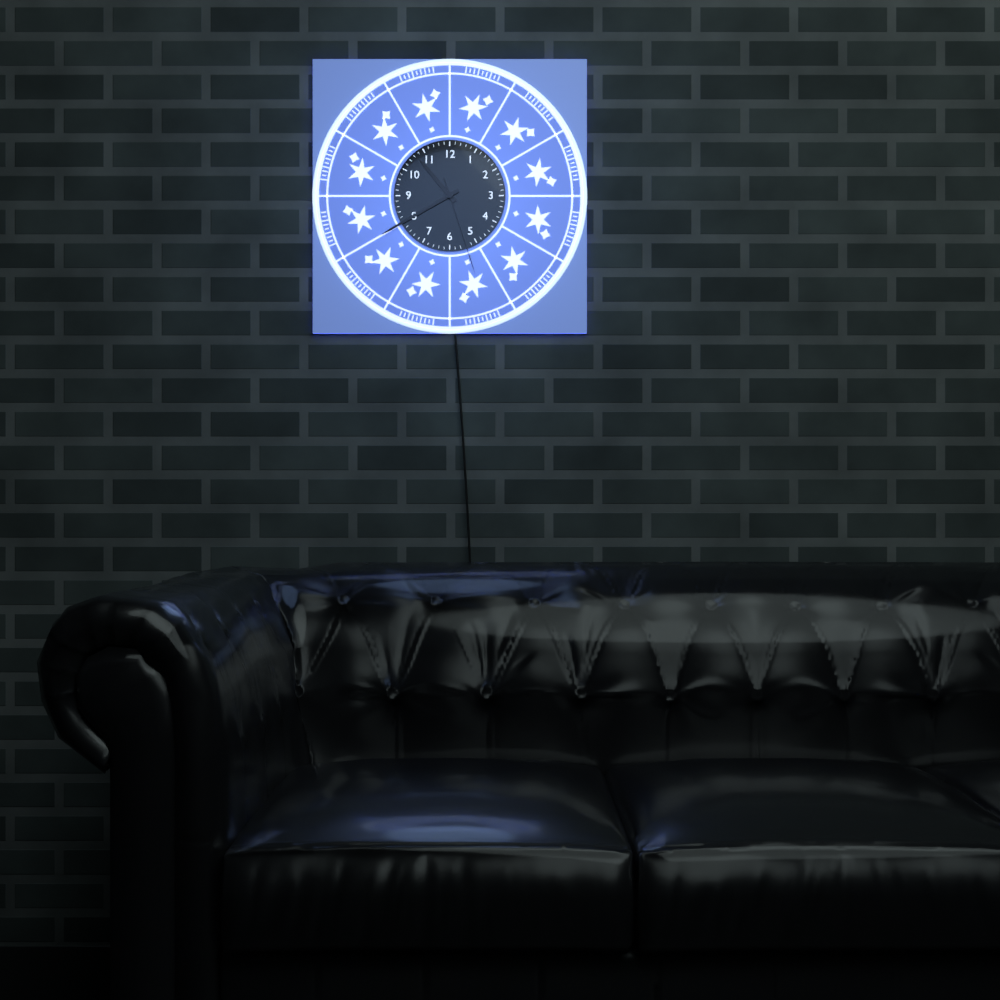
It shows 10.40.27
